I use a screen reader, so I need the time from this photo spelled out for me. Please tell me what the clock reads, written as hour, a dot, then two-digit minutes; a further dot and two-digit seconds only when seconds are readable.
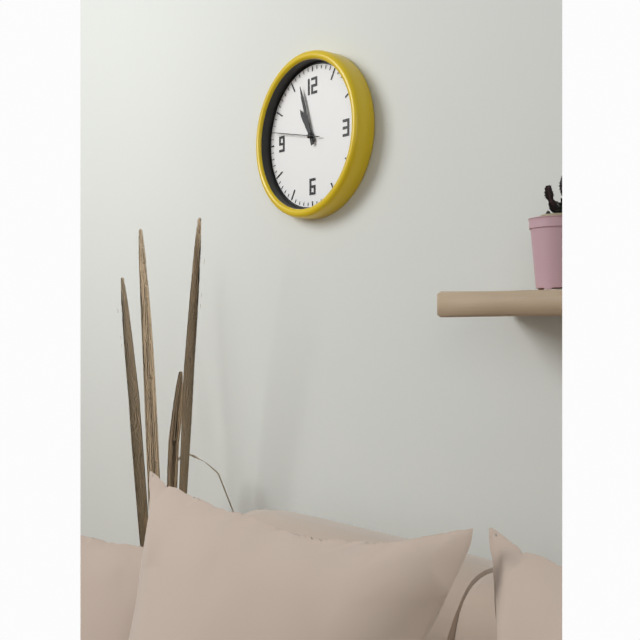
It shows 10.57
